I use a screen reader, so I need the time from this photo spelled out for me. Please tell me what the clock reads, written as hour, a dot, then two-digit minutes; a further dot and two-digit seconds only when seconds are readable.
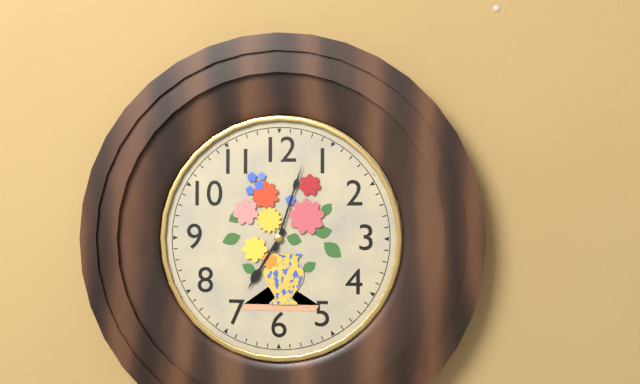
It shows 7.03
